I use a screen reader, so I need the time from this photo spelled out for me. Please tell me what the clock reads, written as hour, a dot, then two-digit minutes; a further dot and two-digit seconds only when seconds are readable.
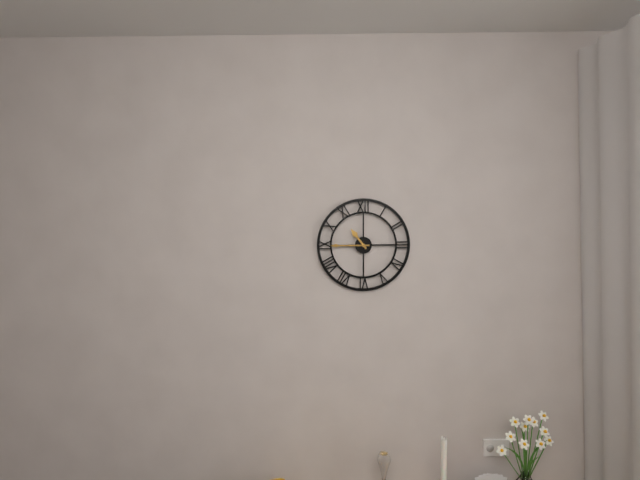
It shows 10.45
